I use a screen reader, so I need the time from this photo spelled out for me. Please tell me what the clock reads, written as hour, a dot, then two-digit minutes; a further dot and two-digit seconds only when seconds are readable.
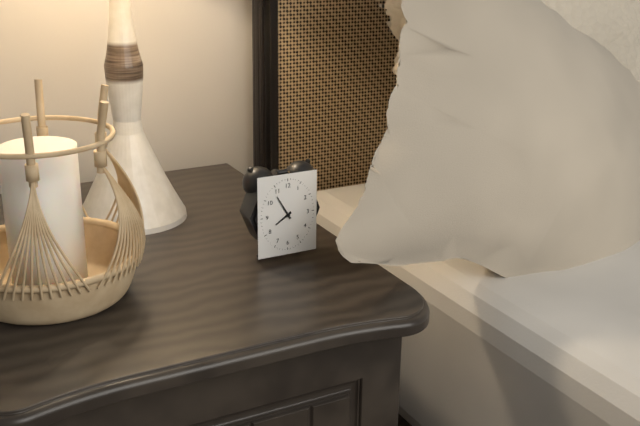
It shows 7.55
